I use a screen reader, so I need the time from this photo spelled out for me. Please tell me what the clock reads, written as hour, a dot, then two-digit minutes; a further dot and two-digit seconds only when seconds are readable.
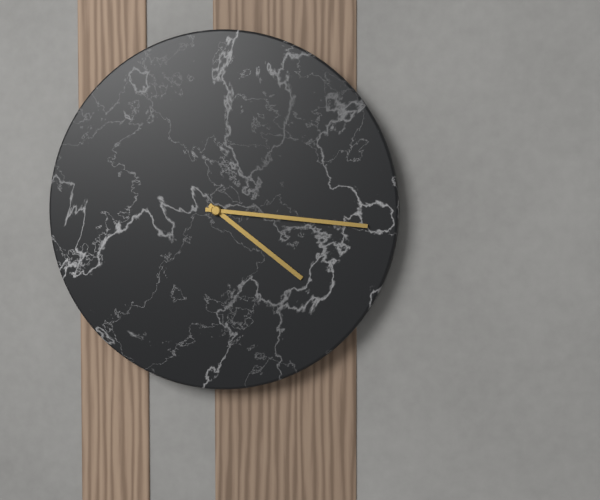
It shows 4.16
